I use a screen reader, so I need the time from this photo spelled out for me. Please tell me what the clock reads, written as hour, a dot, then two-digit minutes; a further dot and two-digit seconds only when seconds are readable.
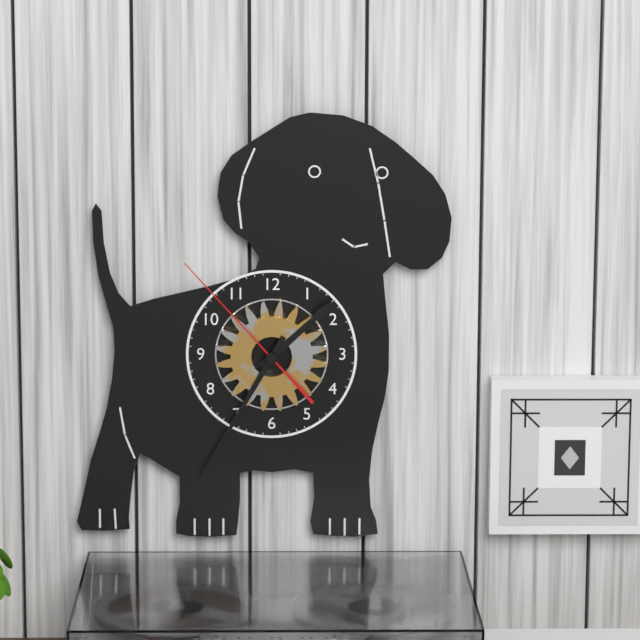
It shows 1.35.53
